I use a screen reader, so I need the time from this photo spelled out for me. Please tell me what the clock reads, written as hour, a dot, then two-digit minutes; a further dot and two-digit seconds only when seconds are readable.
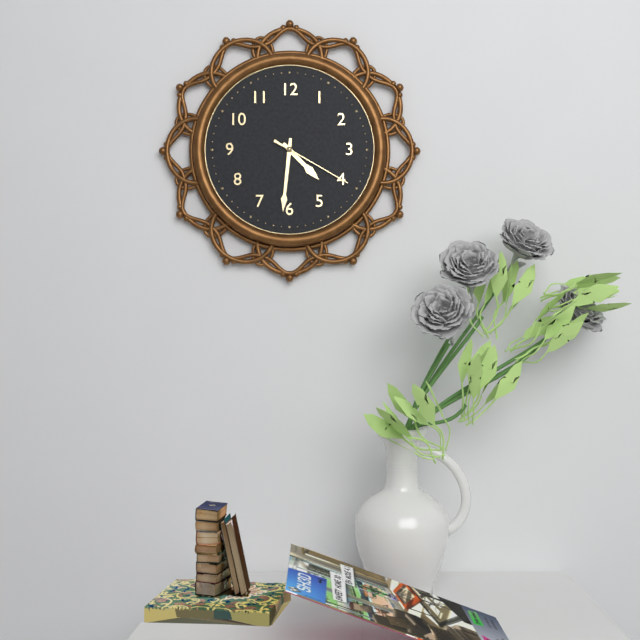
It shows 4.31.20
